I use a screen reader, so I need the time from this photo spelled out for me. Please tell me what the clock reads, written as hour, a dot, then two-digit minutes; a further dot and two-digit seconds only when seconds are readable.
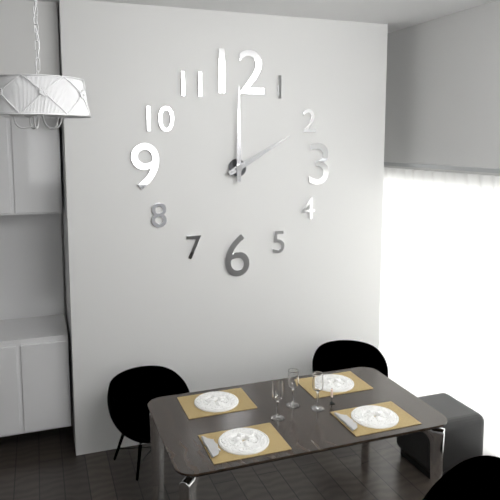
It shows 2.00
